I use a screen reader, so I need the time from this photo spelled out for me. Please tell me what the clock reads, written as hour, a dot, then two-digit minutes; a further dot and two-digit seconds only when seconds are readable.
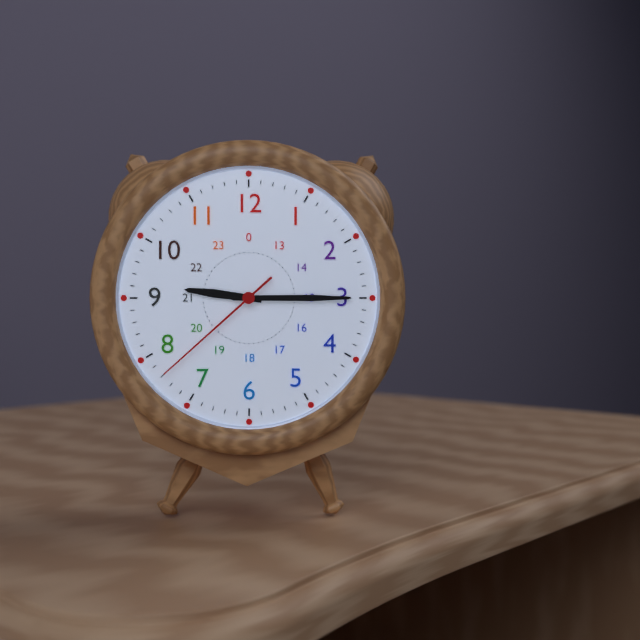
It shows 9.15.38
